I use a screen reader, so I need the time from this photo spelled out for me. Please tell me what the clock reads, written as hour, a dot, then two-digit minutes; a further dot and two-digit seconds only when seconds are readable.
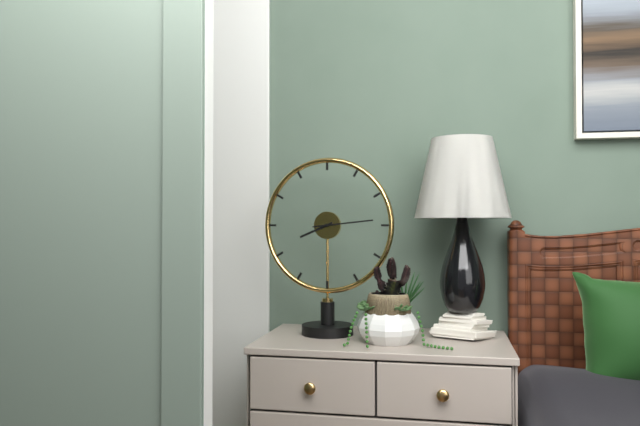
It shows 8.14
